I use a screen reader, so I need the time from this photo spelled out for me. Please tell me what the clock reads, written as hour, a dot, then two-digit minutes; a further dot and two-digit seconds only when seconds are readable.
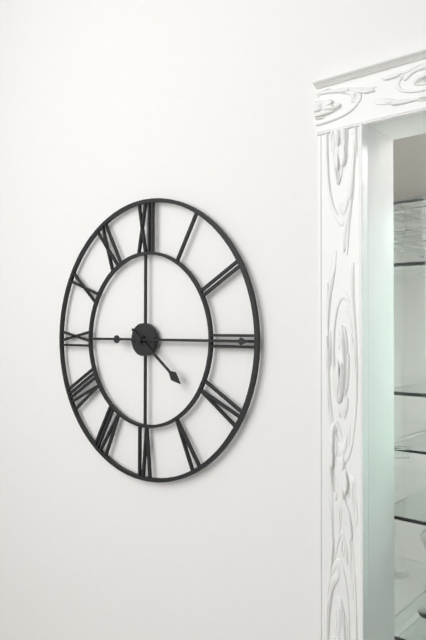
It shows 4.15
